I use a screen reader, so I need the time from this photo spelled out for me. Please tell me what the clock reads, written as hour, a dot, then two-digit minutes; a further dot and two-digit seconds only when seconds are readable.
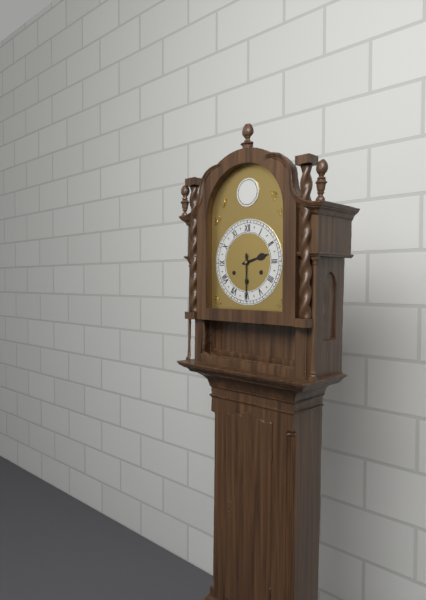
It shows 2.30
